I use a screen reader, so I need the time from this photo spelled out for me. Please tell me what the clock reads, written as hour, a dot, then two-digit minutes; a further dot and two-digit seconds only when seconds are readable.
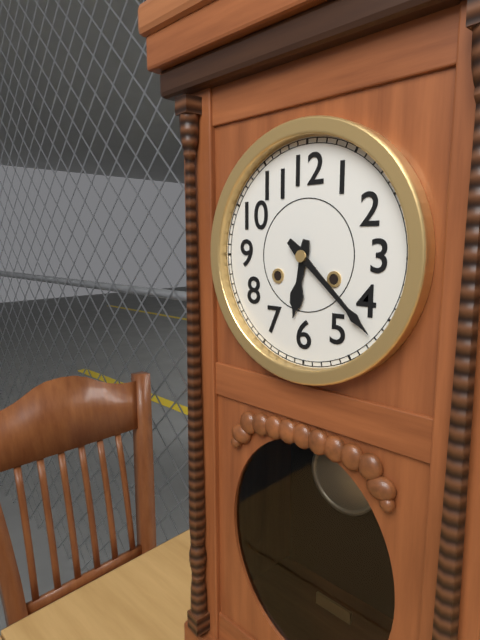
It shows 6.22
